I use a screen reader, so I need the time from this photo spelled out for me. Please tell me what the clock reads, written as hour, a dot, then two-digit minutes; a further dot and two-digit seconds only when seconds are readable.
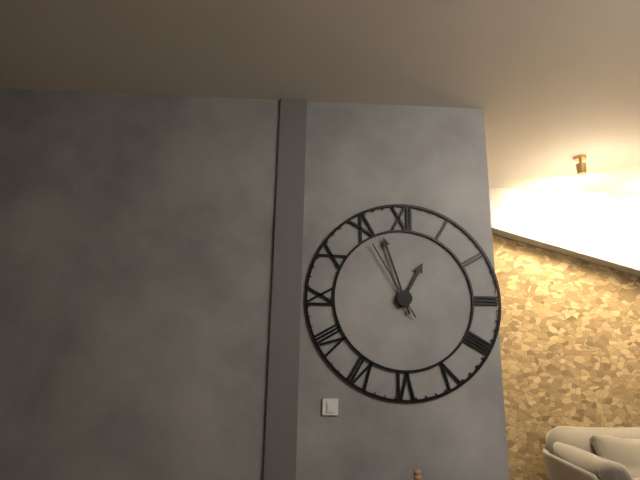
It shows 12.57.55
